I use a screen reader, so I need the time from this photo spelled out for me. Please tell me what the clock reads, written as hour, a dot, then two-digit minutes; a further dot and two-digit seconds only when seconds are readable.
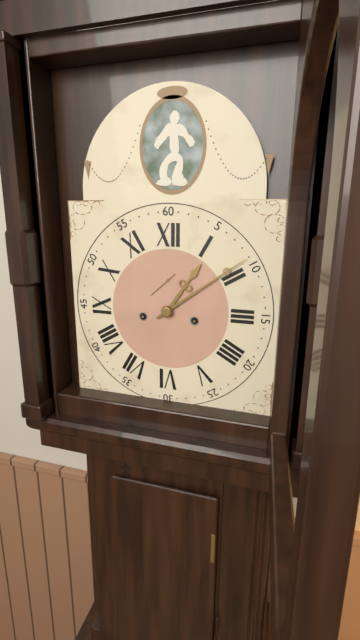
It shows 1.09
